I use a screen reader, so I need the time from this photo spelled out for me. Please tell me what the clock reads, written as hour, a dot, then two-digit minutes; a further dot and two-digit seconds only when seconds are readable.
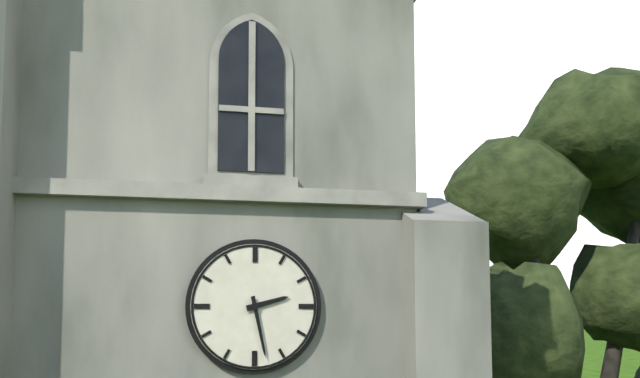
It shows 2.28
